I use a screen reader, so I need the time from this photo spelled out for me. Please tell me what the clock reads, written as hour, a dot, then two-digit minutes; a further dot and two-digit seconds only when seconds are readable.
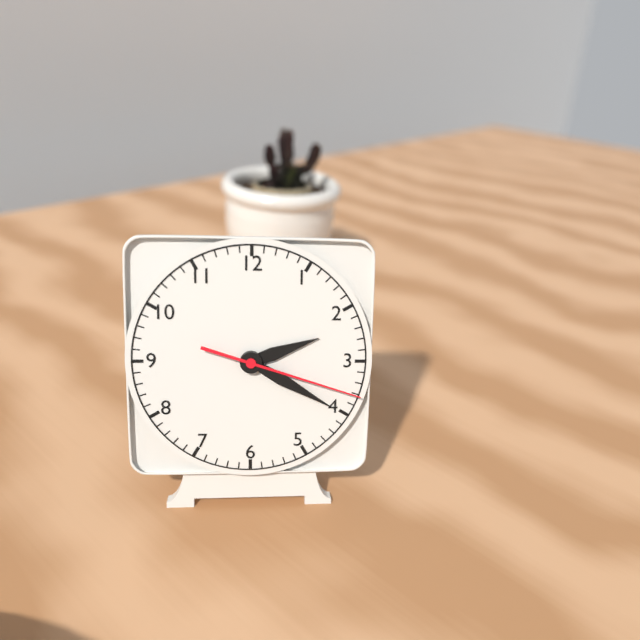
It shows 2.20.18
